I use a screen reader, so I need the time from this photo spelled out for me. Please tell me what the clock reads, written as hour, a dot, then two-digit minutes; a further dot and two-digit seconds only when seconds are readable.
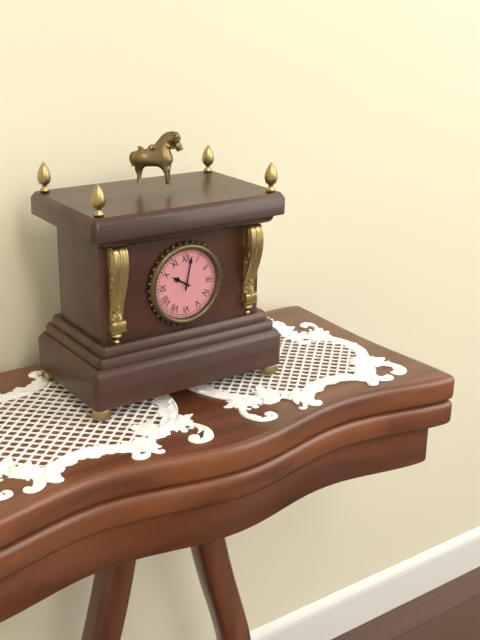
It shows 10.02
